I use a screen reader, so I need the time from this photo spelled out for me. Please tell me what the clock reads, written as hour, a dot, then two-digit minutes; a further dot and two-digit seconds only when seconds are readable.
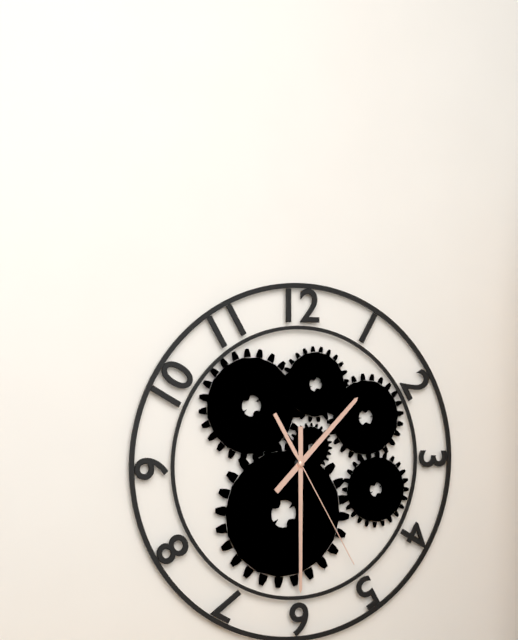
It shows 1.30.25
